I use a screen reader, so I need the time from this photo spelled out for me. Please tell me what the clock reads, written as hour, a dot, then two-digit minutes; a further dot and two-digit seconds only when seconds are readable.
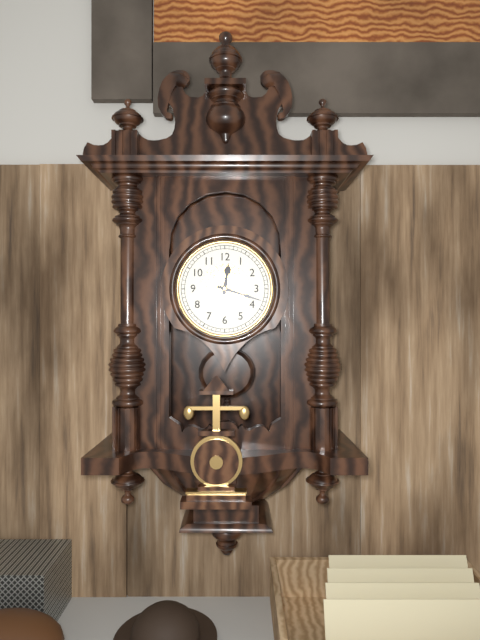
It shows 12.18
